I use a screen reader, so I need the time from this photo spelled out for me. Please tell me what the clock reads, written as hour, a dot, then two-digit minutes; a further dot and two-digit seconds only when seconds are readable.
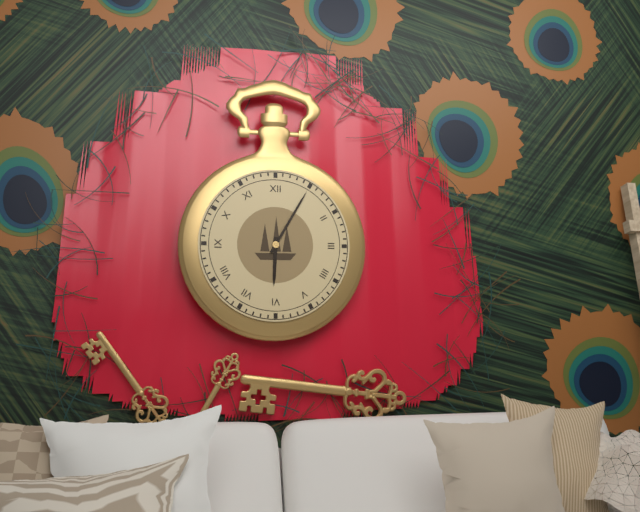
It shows 6.05
